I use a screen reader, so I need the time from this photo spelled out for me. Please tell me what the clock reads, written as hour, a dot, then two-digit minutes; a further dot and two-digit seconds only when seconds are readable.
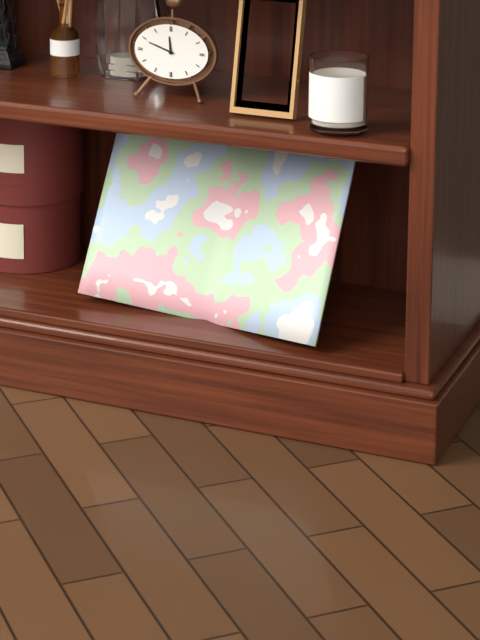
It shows 11.48
